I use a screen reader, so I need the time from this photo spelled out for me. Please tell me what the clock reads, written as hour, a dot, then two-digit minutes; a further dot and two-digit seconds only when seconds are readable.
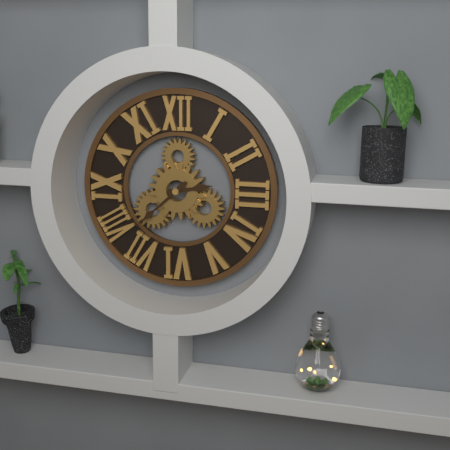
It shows 2.38
